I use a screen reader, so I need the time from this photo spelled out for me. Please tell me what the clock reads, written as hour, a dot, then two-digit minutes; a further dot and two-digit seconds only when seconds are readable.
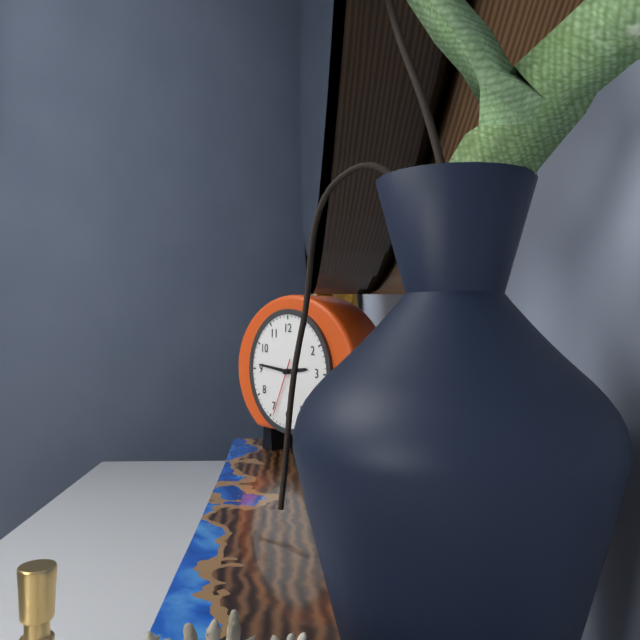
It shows 2.46.34
